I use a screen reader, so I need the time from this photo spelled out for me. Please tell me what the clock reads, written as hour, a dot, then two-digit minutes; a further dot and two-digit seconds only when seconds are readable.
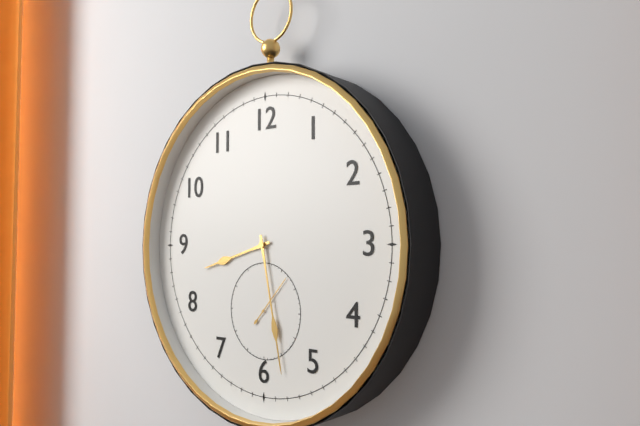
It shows 8.28.07
